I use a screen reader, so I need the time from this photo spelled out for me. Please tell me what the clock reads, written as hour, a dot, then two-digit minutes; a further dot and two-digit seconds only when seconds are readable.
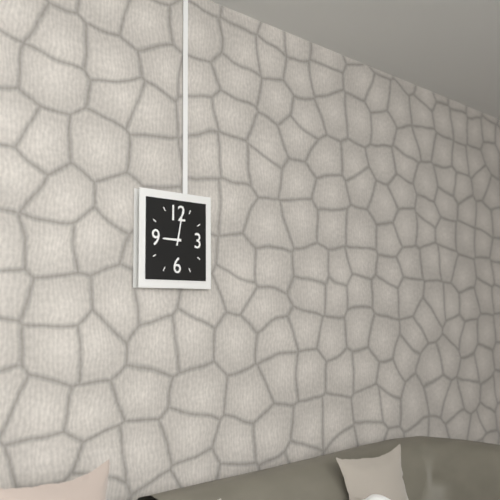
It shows 9.02
